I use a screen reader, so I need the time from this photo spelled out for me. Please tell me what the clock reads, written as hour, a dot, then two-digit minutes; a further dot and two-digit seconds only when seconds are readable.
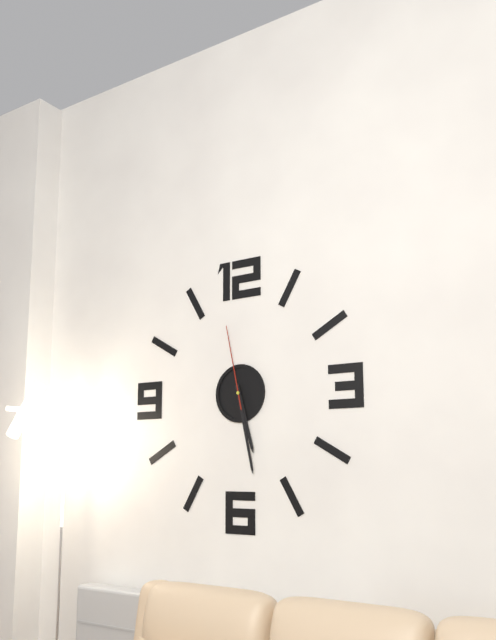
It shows 5.28.58
